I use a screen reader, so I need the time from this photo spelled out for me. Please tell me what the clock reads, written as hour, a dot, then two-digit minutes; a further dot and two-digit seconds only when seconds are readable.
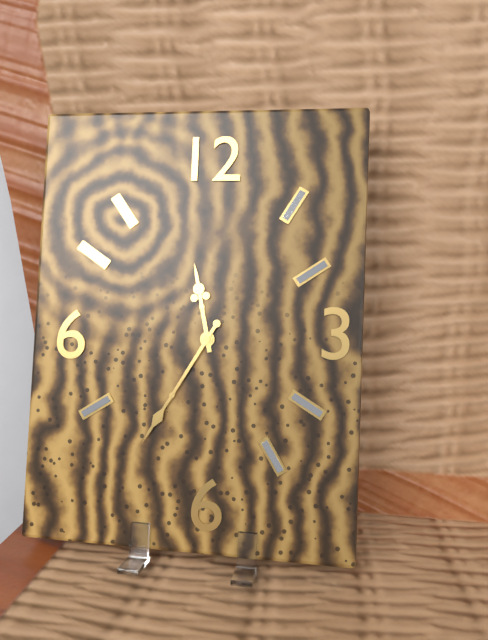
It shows 11.35
